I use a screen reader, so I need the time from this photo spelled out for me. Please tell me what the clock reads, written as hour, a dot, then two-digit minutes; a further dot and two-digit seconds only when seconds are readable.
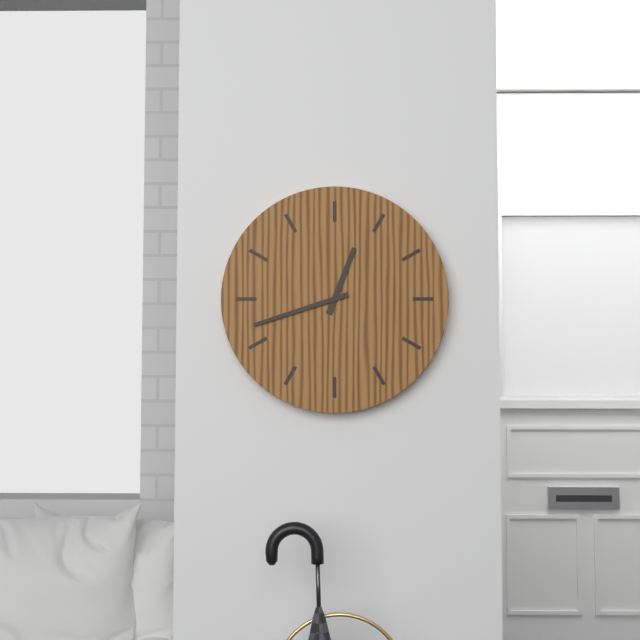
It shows 12.42
